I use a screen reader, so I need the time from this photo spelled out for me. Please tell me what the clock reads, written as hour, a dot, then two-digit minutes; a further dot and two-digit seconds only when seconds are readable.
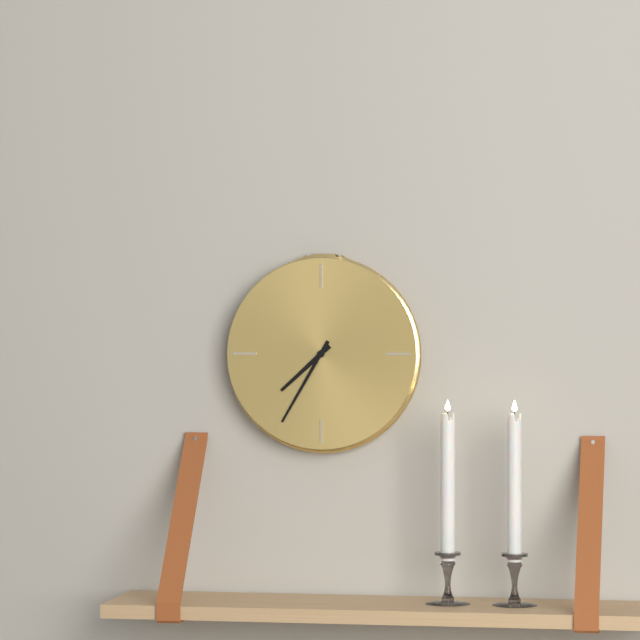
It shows 7.35
